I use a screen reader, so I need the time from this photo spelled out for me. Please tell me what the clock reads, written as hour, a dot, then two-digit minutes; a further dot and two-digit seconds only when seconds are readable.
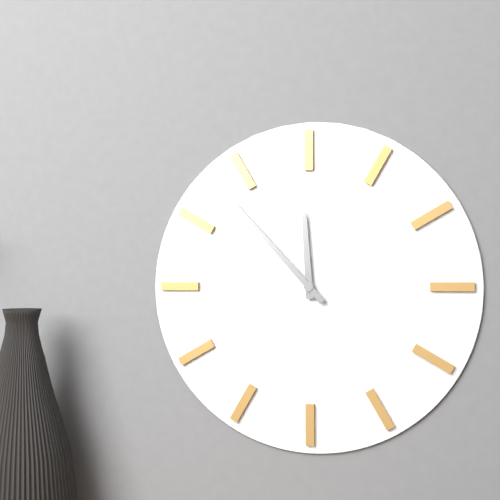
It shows 11.53
